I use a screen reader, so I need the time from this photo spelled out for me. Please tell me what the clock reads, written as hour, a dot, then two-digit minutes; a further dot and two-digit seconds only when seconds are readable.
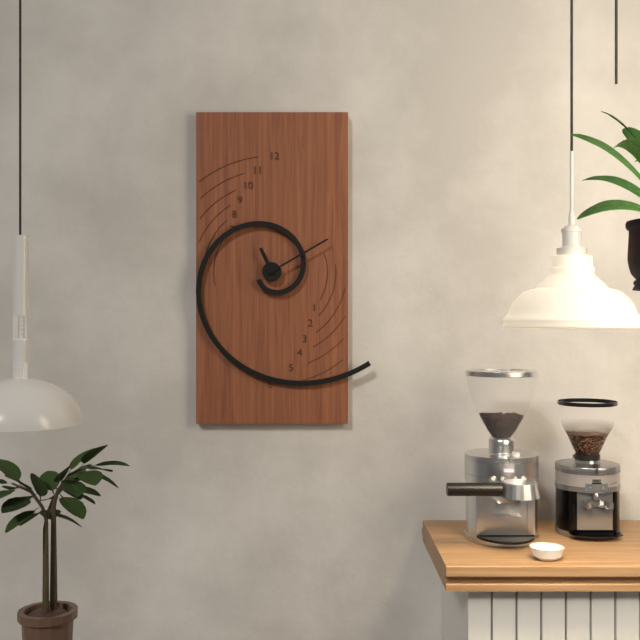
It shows 11.10
